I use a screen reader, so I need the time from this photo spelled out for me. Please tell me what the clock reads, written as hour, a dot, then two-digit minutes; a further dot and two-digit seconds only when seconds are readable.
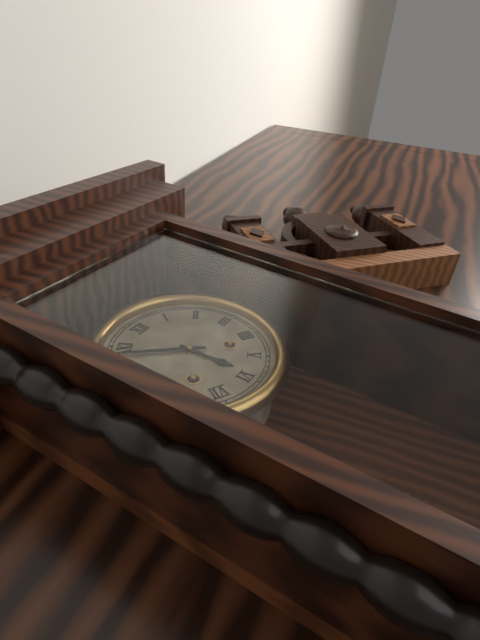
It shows 5.53
